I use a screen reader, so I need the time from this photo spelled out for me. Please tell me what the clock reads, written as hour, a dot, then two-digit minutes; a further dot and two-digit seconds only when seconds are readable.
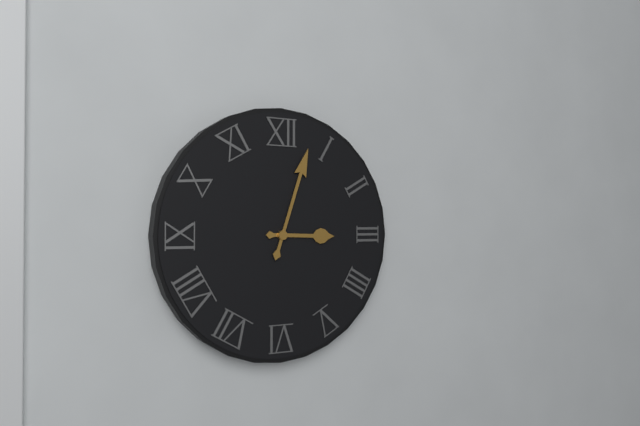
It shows 3.03
